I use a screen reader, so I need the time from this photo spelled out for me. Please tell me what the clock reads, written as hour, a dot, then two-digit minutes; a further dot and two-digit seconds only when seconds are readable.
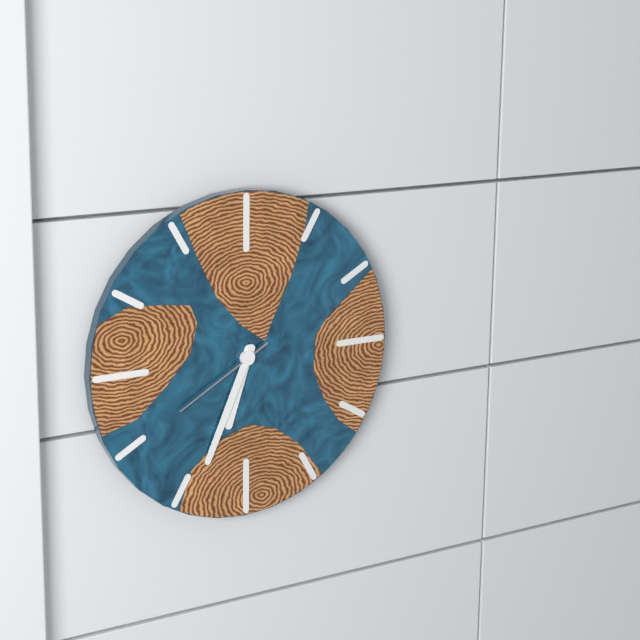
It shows 6.34.40
